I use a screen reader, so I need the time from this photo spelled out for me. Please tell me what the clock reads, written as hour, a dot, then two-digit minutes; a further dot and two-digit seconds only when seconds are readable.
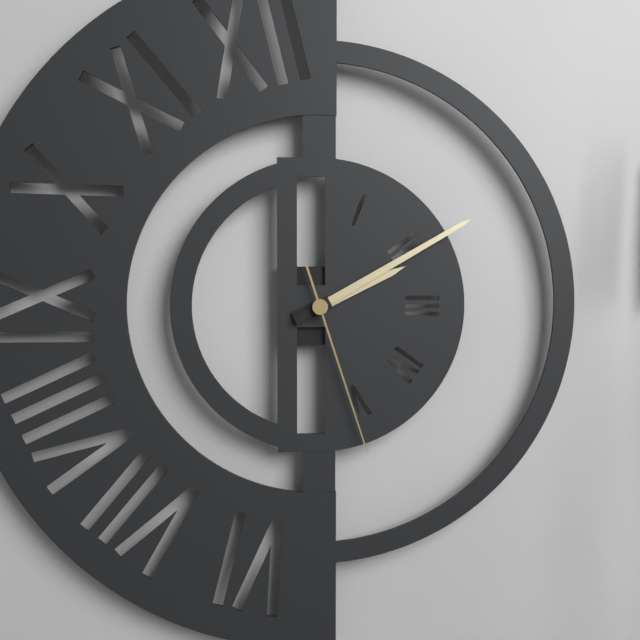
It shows 2.10.27
